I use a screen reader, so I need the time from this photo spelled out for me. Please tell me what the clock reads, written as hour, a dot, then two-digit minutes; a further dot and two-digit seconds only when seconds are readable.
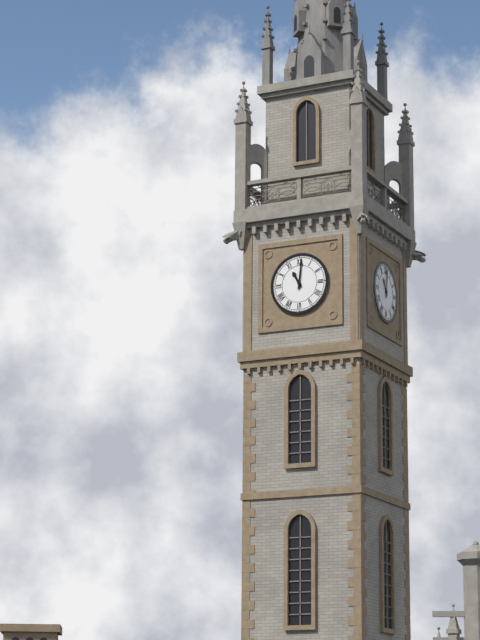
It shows 11.01
